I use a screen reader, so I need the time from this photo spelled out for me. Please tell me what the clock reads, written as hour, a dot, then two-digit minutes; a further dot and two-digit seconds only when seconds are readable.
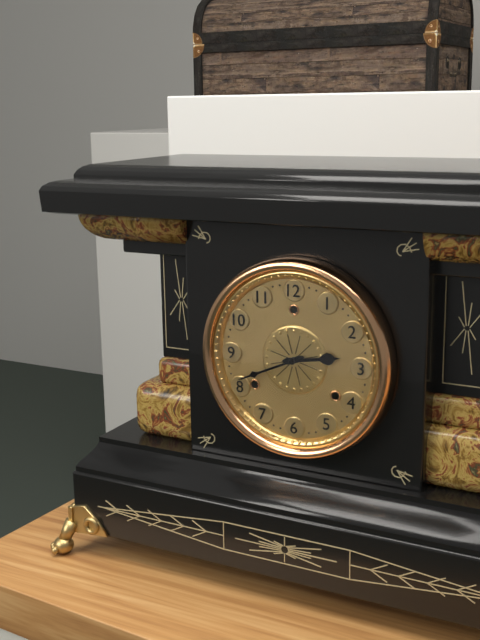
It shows 2.41
